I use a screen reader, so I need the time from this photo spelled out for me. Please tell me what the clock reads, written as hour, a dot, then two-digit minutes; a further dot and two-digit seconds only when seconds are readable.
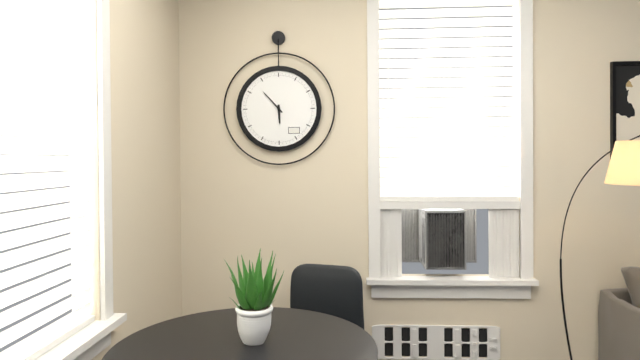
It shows 5.53
